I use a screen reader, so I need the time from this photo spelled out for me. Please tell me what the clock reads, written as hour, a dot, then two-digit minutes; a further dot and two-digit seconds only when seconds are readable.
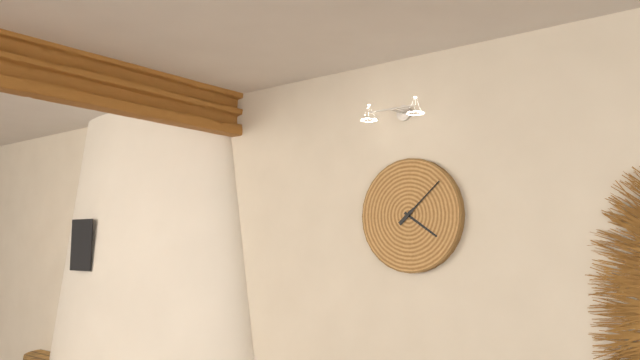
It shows 4.08
